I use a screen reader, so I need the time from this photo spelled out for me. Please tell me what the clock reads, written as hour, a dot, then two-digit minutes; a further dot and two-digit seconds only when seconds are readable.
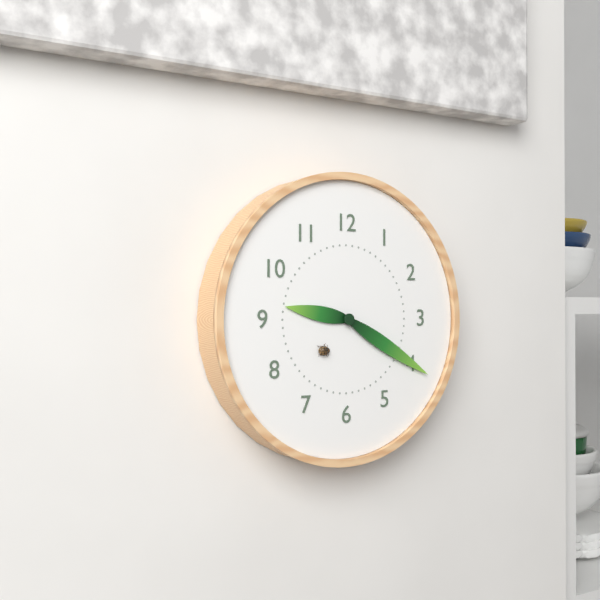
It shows 9.20
